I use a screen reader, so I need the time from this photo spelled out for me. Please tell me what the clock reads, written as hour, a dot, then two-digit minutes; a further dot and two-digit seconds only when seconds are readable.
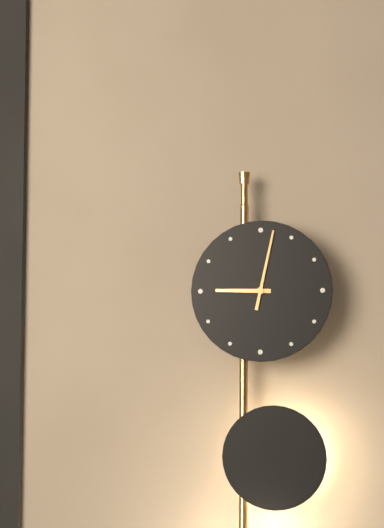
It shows 9.02
